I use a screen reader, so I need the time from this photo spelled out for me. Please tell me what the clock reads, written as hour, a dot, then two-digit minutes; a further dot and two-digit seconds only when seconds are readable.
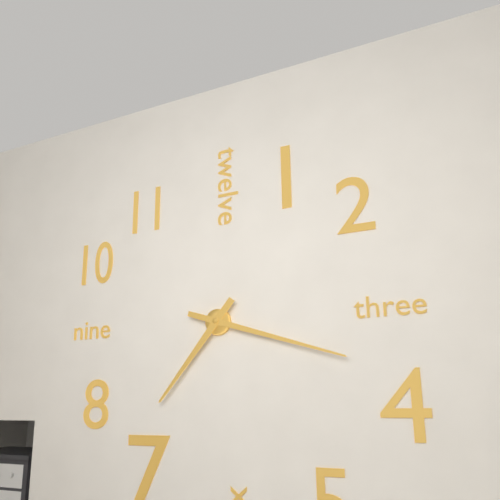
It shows 7.18
